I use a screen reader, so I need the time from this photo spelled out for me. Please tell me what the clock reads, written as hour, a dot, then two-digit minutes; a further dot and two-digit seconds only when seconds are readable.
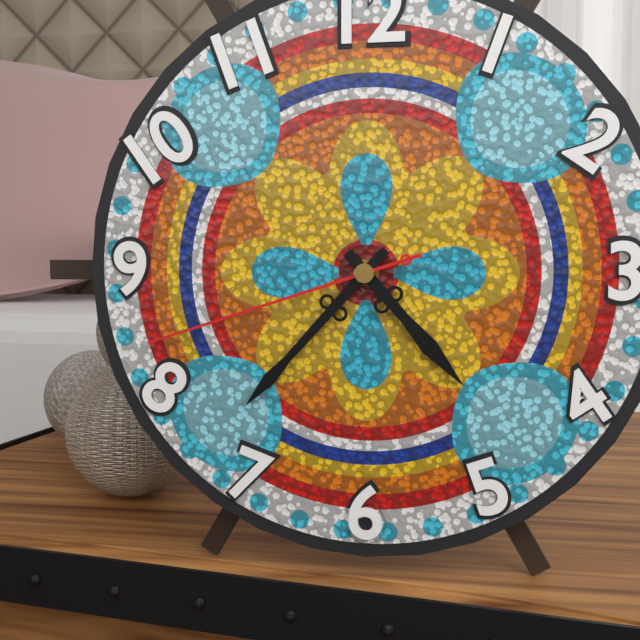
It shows 4.37.42
